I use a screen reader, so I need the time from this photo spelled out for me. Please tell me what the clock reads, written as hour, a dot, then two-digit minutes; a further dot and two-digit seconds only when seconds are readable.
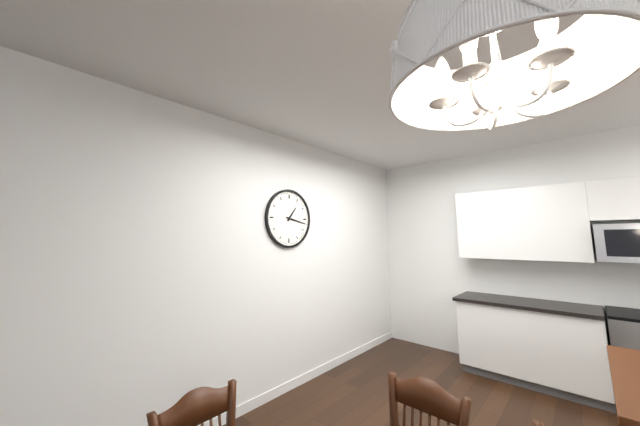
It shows 1.17
